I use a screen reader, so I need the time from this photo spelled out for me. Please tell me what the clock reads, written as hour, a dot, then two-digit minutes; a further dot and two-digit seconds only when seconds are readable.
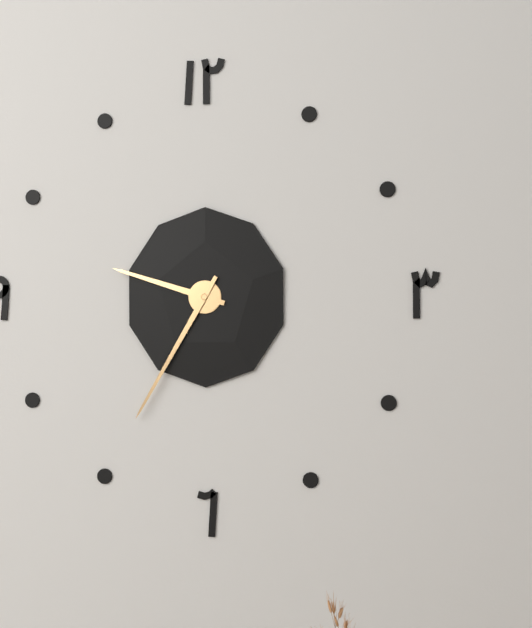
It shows 9.35
